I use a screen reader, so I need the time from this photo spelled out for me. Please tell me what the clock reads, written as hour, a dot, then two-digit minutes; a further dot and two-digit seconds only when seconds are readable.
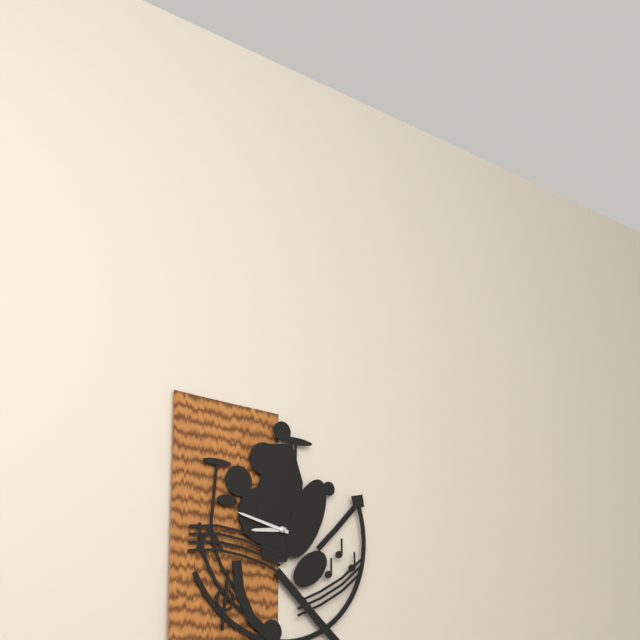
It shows 8.47
